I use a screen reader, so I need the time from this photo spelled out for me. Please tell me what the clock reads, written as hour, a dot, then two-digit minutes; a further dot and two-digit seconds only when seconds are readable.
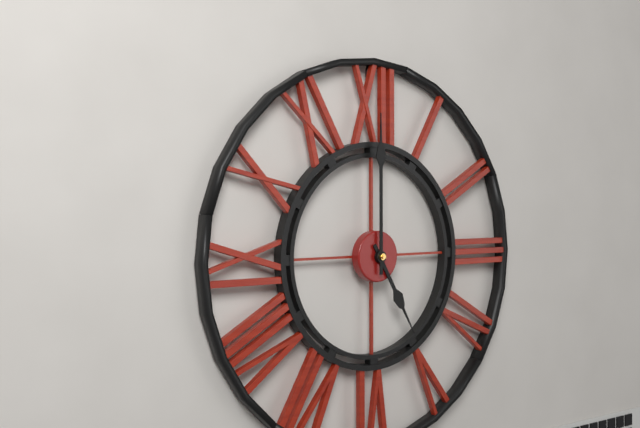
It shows 5.00
